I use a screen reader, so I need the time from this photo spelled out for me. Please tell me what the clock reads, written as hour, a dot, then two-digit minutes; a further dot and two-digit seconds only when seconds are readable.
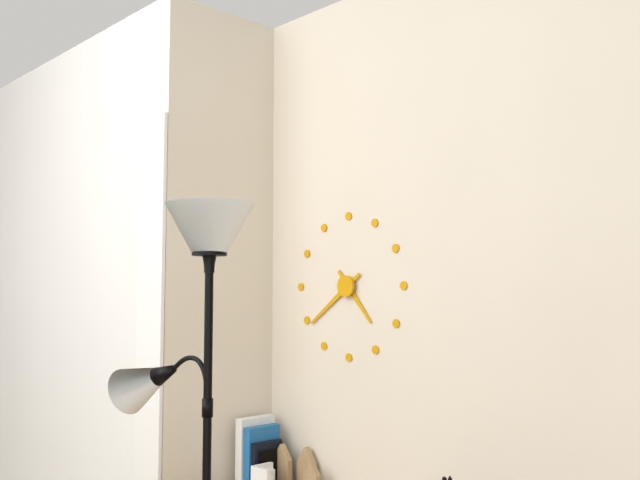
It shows 4.39
